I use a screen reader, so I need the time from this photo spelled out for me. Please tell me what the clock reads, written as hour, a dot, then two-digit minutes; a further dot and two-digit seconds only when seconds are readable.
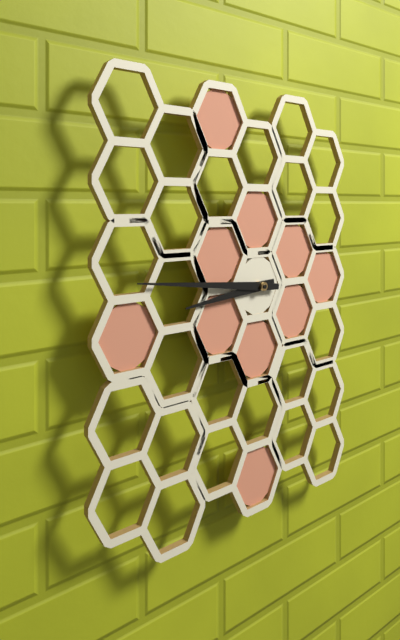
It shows 8.46
